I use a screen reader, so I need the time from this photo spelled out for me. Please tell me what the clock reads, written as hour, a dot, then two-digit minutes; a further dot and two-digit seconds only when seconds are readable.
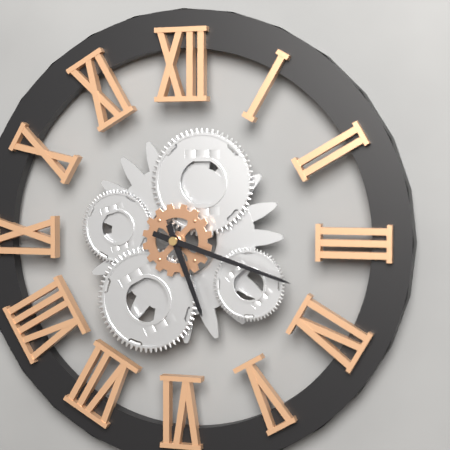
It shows 5.18
